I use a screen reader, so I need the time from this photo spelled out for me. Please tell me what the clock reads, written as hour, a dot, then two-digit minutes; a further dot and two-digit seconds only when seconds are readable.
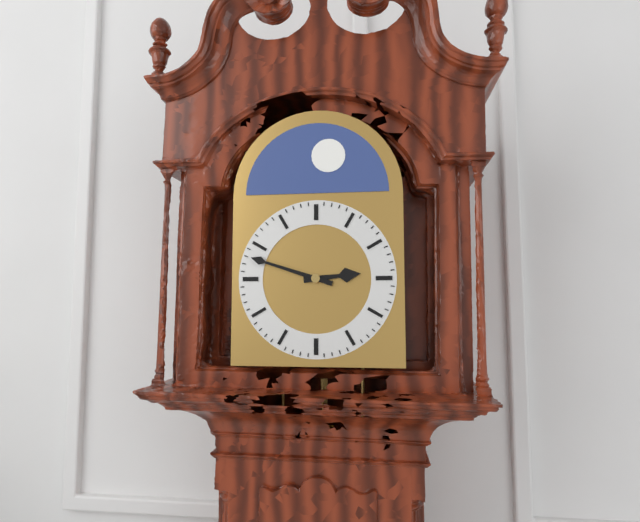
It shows 2.48
